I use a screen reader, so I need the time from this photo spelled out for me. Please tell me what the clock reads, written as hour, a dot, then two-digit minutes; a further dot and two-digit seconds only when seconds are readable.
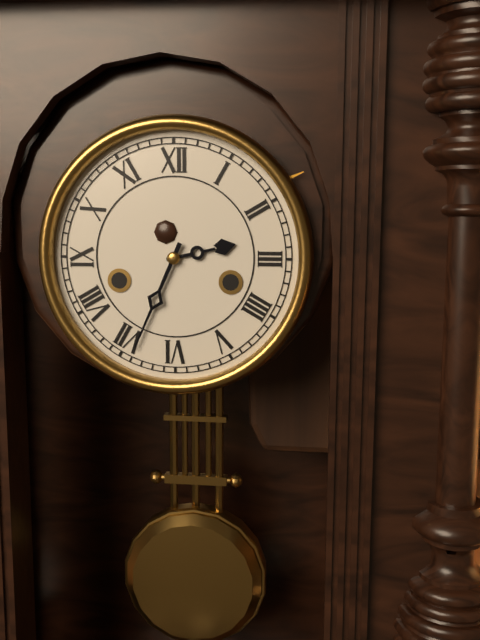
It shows 2.34
